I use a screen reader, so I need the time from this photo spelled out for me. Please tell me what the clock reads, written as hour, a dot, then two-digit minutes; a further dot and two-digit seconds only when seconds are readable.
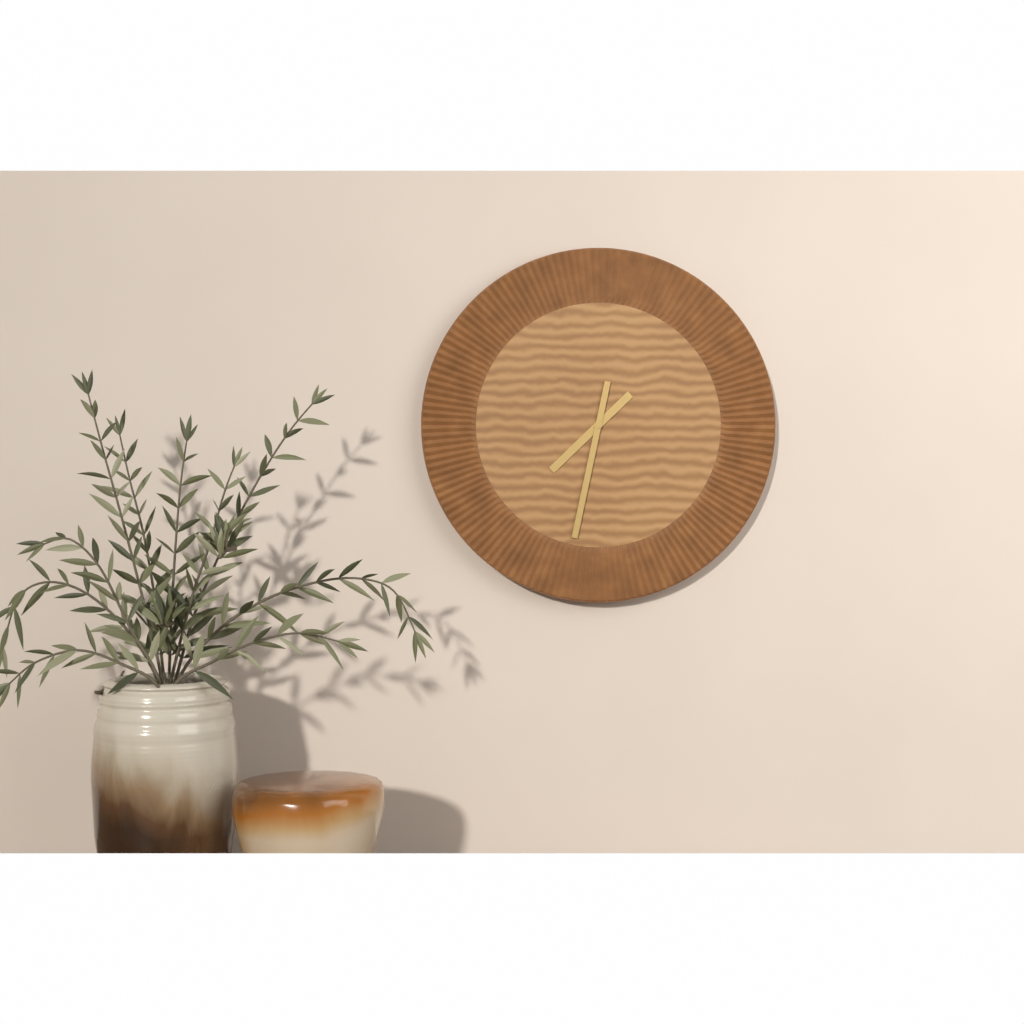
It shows 7.32
